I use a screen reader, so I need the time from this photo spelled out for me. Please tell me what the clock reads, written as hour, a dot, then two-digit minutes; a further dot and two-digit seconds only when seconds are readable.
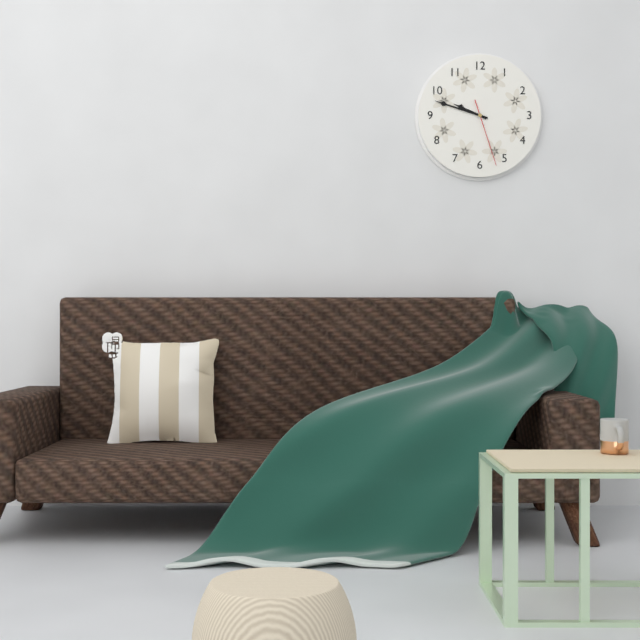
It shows 9.48.27
